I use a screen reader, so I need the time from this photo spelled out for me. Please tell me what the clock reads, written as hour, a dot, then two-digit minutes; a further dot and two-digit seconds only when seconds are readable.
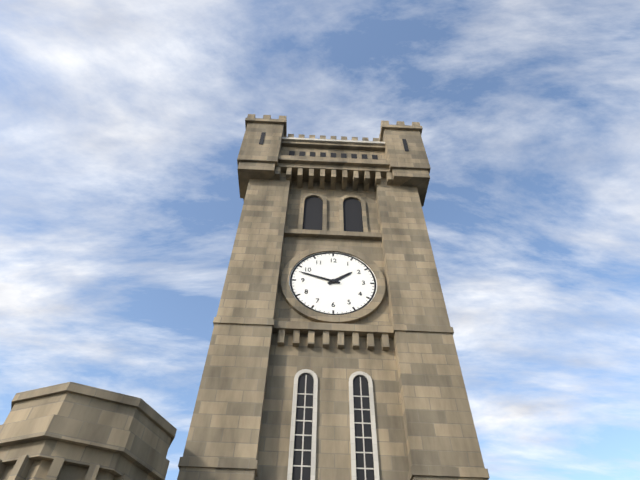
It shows 1.48
